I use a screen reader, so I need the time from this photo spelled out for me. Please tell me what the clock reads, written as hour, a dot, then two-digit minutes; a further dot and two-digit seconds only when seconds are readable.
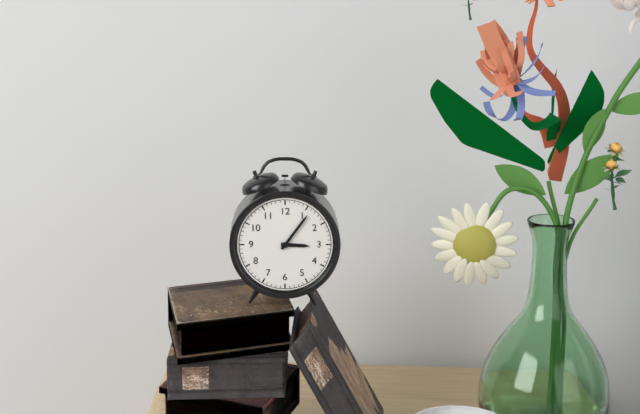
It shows 3.06
